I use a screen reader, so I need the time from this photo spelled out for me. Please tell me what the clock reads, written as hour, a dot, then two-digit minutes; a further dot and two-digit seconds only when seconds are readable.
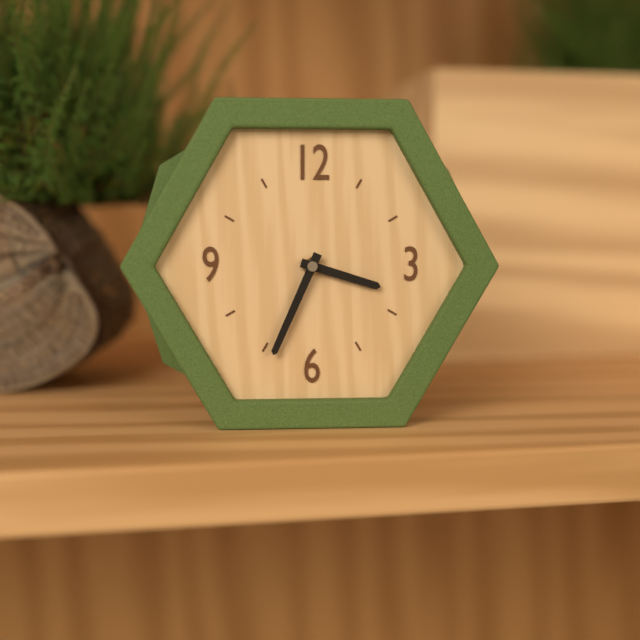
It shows 3.34
